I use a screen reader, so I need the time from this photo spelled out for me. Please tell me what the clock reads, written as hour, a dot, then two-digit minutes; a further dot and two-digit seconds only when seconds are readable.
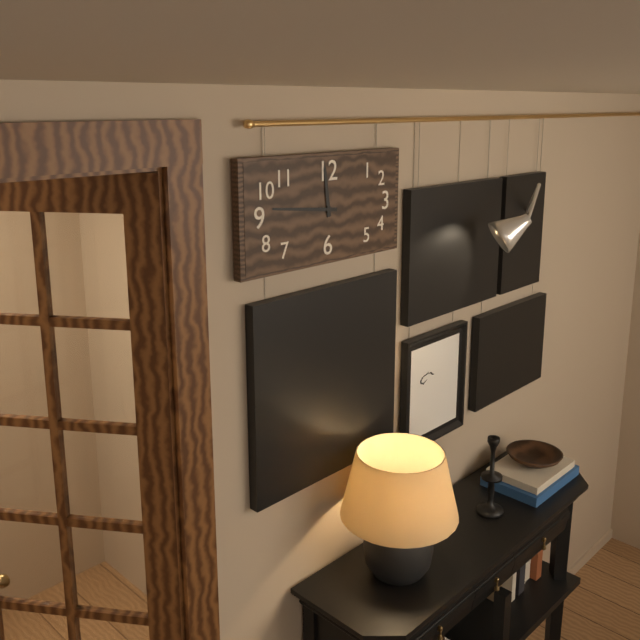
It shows 11.46
